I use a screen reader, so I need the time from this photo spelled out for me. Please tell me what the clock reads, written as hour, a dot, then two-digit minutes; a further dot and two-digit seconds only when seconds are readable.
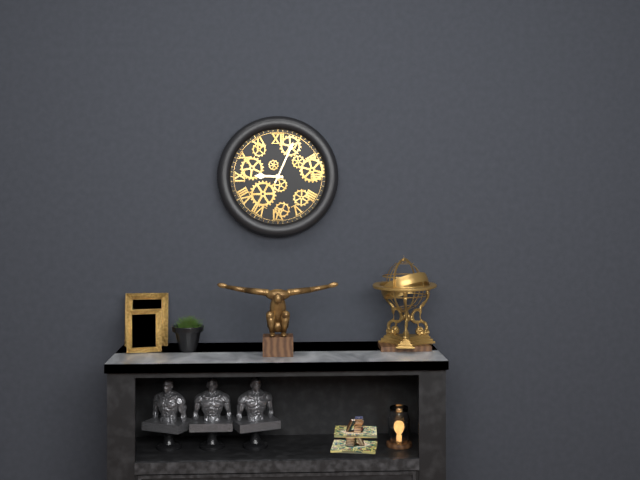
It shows 9.04
